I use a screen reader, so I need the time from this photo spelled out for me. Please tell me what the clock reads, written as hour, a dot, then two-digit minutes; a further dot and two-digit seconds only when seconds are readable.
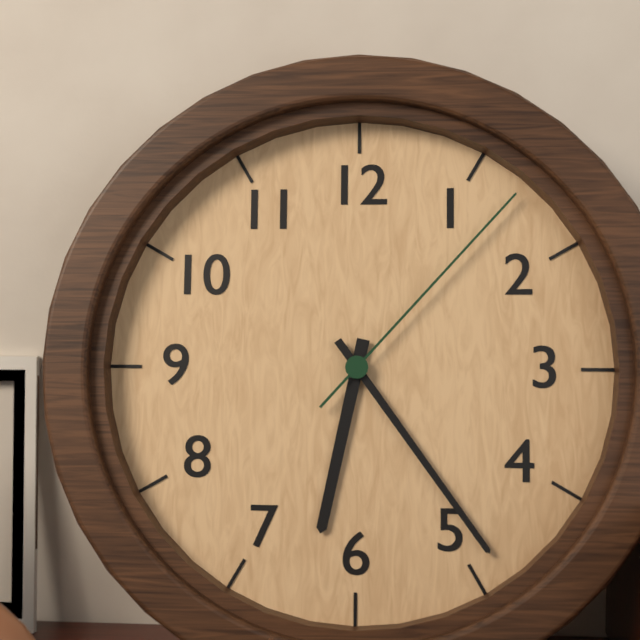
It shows 6.24.07
